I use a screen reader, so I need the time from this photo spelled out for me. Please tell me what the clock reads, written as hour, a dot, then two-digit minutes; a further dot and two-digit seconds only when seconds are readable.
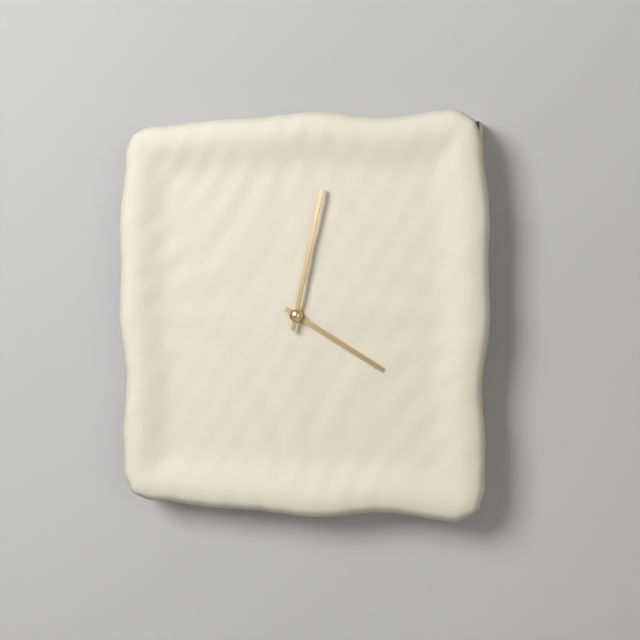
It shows 4.02
